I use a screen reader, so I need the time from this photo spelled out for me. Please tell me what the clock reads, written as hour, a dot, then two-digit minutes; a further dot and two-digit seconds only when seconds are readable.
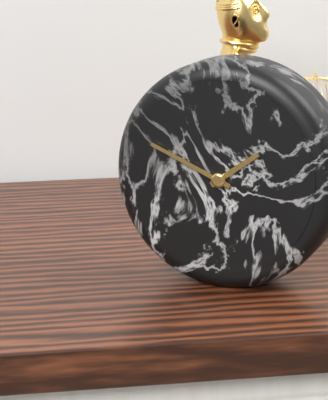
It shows 1.49
